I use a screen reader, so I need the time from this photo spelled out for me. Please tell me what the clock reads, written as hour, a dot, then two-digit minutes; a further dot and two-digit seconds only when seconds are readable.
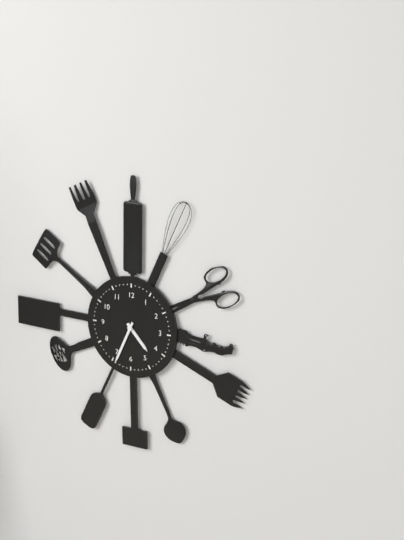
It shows 4.34
